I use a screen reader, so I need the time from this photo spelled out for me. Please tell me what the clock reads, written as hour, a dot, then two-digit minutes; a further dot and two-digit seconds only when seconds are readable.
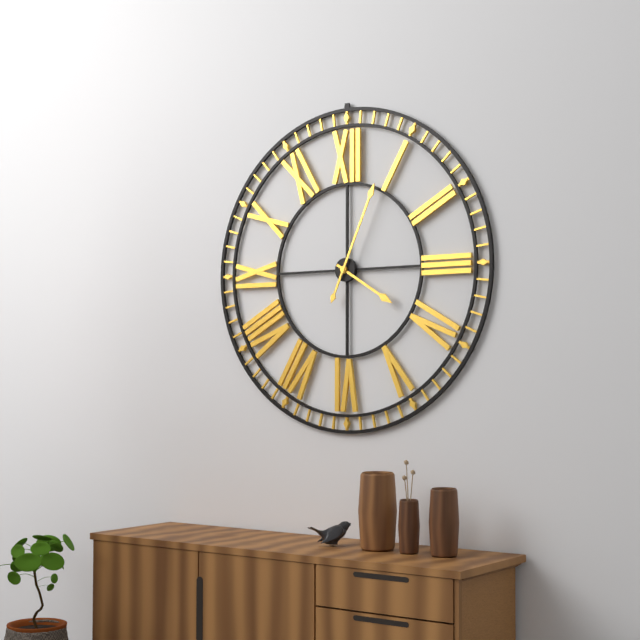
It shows 4.04
